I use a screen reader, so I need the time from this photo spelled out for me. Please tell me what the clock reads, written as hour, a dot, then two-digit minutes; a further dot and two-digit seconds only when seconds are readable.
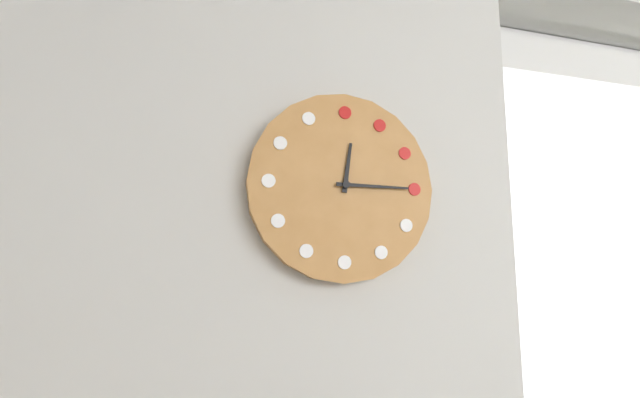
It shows 12.15
